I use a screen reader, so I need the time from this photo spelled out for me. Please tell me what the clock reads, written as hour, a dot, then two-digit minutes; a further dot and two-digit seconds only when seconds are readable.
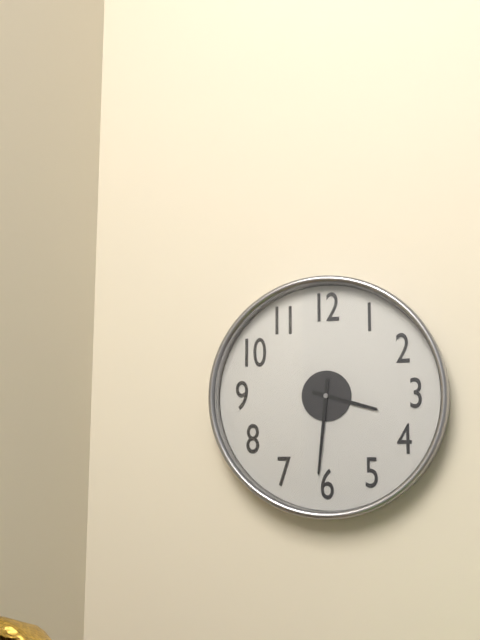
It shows 3.31
